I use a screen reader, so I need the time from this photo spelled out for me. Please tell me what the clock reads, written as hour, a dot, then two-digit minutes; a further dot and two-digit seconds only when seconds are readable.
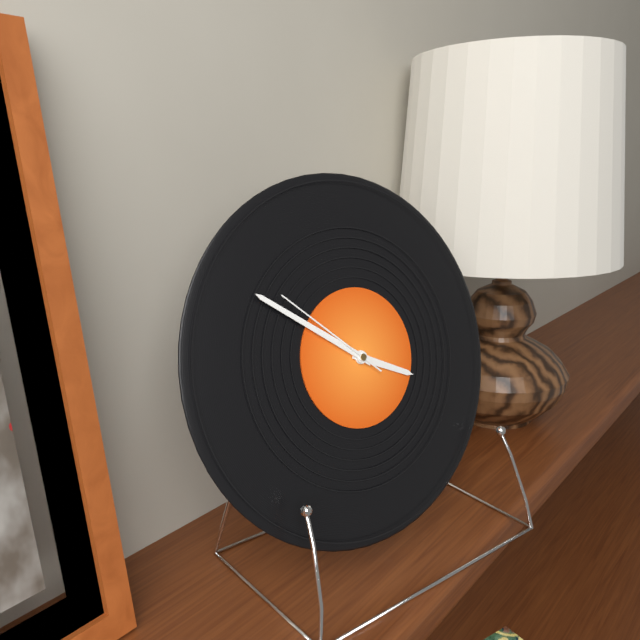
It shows 3.51.52
